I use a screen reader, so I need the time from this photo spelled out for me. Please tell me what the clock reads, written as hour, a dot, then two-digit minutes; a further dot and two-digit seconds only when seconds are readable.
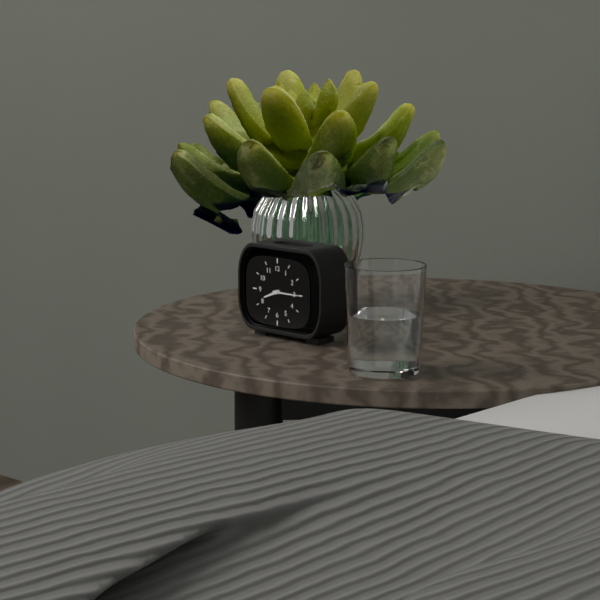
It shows 8.15
